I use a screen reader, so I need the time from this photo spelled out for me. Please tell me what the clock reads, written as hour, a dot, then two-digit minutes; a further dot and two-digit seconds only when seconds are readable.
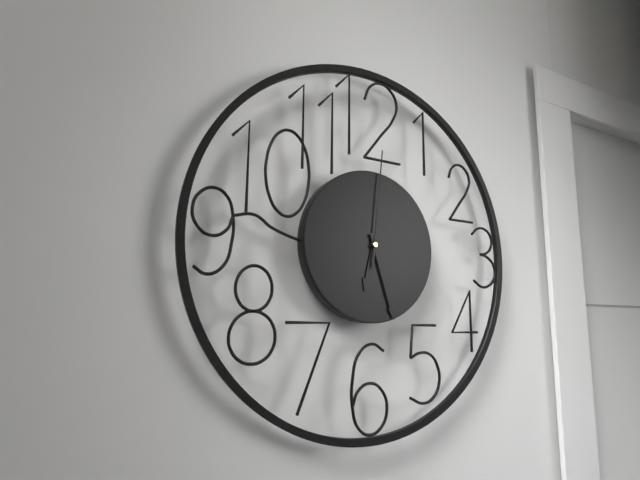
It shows 6.27.01
